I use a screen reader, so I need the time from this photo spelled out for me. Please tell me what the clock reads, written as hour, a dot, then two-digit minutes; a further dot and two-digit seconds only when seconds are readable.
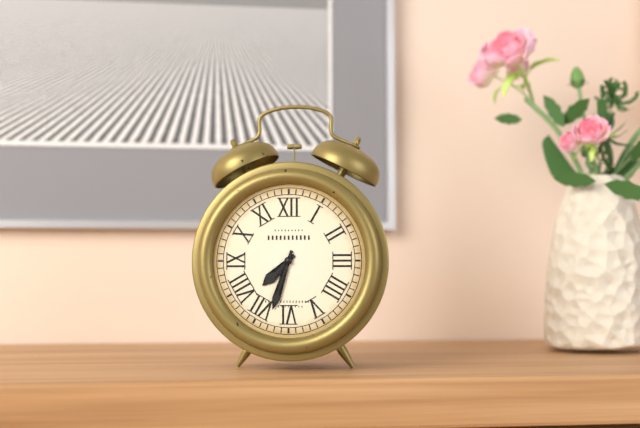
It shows 7.33
